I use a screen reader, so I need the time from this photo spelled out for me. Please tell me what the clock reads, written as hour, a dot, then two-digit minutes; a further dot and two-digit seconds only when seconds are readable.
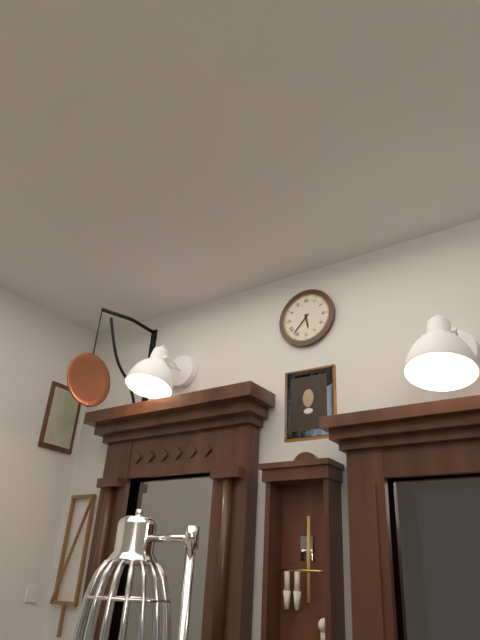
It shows 5.37
